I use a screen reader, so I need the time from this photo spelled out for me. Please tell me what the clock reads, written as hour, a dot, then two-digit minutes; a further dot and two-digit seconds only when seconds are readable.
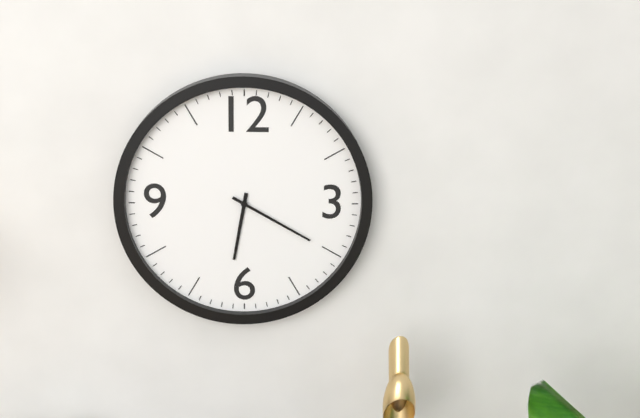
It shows 6.20
